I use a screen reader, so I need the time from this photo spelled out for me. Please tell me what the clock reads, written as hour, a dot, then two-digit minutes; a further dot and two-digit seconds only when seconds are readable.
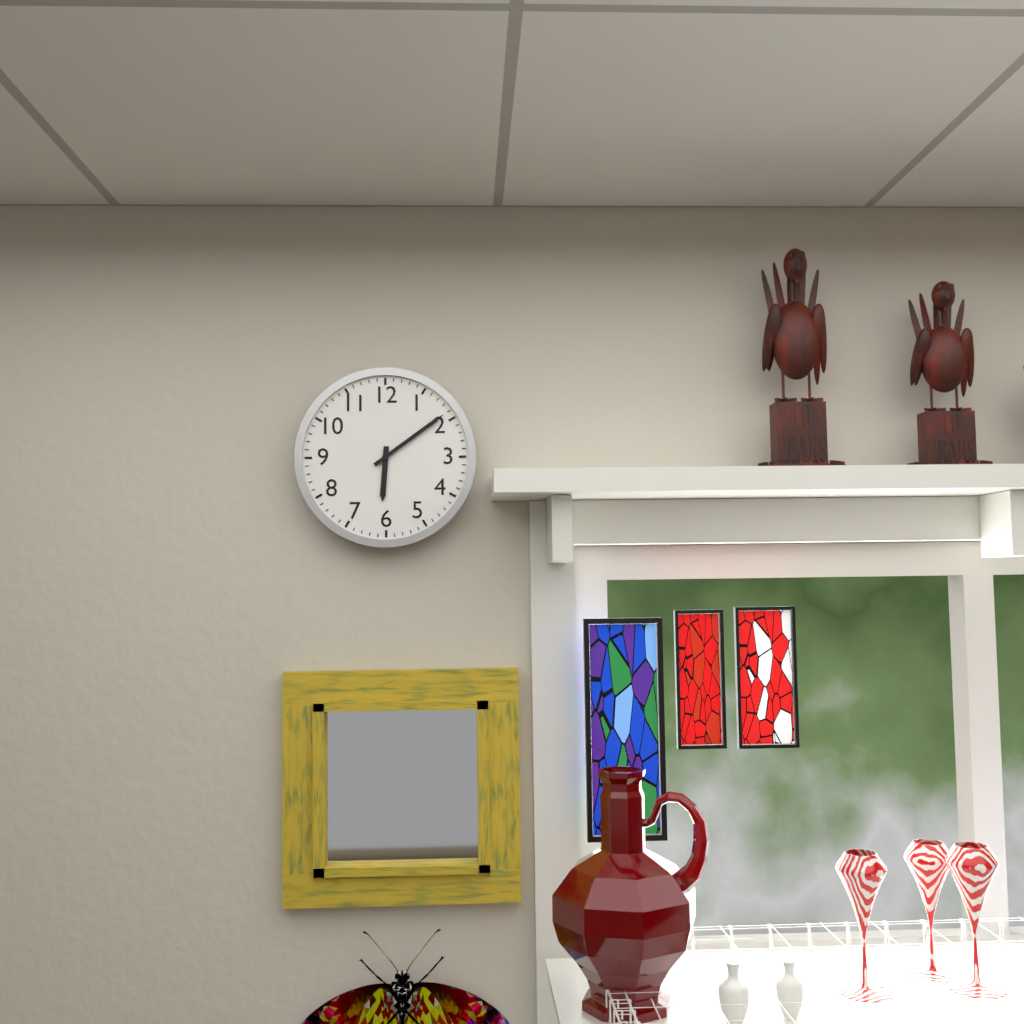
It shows 6.09
